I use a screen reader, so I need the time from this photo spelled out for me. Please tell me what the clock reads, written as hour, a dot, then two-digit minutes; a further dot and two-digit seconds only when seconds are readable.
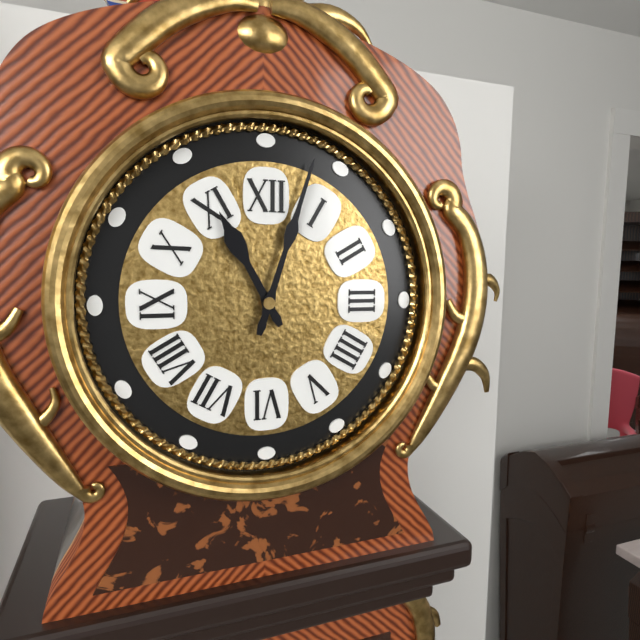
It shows 11.03
